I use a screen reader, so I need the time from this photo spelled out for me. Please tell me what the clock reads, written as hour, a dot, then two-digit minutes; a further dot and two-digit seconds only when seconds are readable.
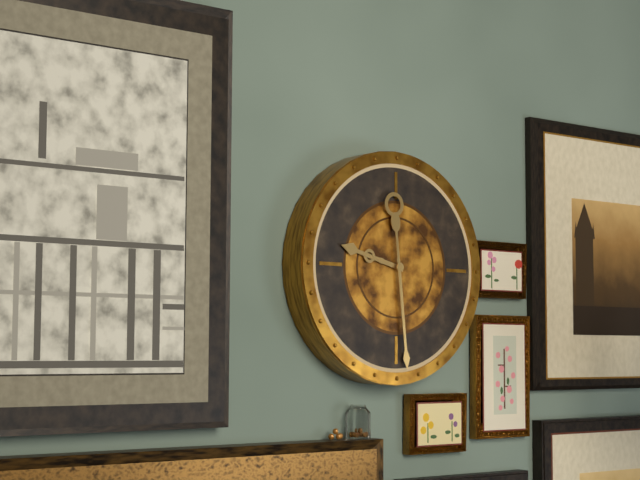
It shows 9.29
